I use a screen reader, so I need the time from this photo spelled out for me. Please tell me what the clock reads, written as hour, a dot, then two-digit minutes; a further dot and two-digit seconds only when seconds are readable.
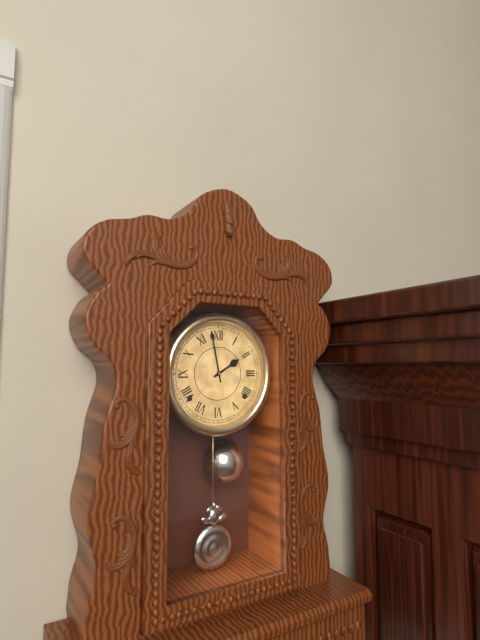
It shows 1.58
